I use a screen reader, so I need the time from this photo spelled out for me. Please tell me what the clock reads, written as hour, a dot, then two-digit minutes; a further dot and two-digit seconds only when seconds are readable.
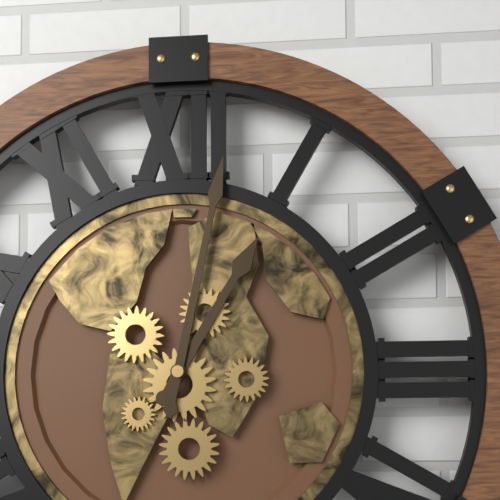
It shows 1.02
